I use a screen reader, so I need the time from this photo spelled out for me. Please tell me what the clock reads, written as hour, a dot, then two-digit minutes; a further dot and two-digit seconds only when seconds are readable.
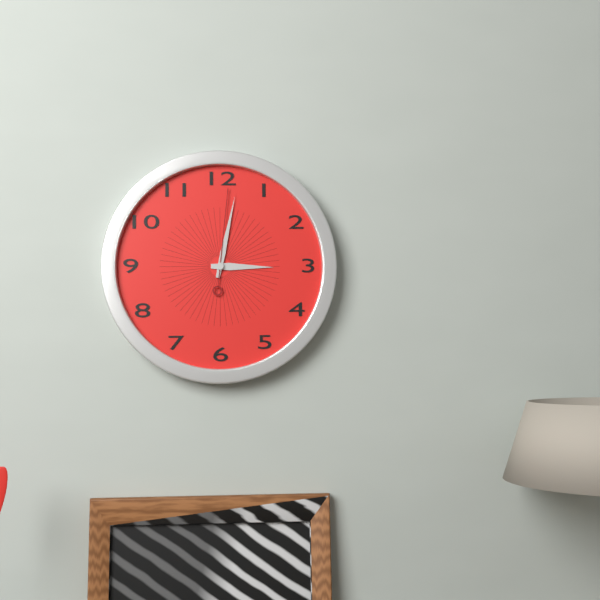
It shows 3.02.01
